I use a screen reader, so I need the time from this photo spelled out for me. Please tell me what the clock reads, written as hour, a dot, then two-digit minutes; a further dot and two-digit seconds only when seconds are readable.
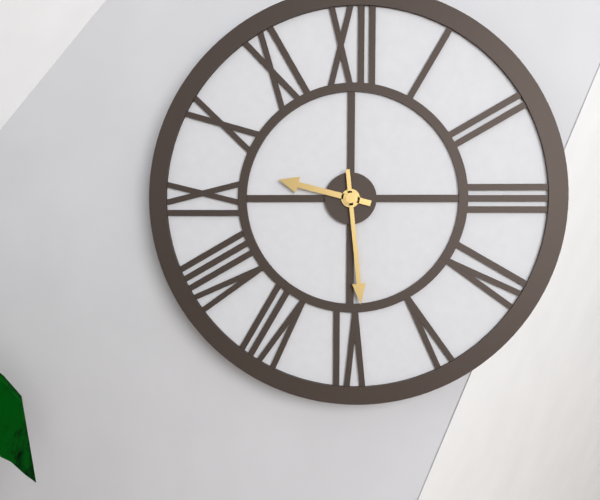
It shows 9.29
